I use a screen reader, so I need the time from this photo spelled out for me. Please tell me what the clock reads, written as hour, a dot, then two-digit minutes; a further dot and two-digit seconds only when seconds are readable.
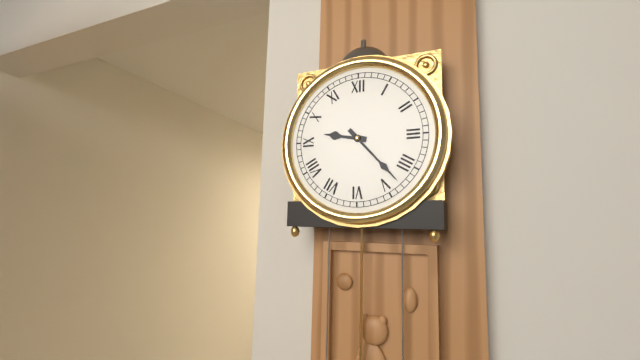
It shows 9.23
